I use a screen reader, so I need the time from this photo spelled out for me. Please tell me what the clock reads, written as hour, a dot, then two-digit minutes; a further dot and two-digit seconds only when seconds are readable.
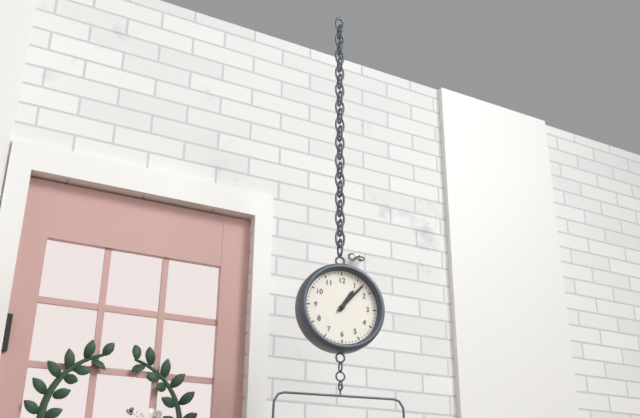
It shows 1.07
